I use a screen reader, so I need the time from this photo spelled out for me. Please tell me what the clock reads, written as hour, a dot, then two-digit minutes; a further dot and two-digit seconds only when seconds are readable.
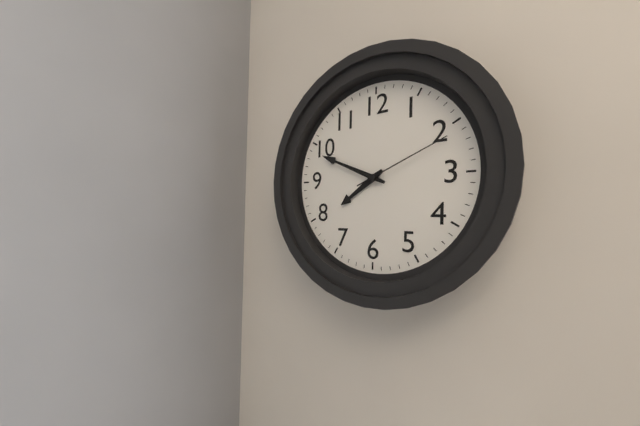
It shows 7.49.11
